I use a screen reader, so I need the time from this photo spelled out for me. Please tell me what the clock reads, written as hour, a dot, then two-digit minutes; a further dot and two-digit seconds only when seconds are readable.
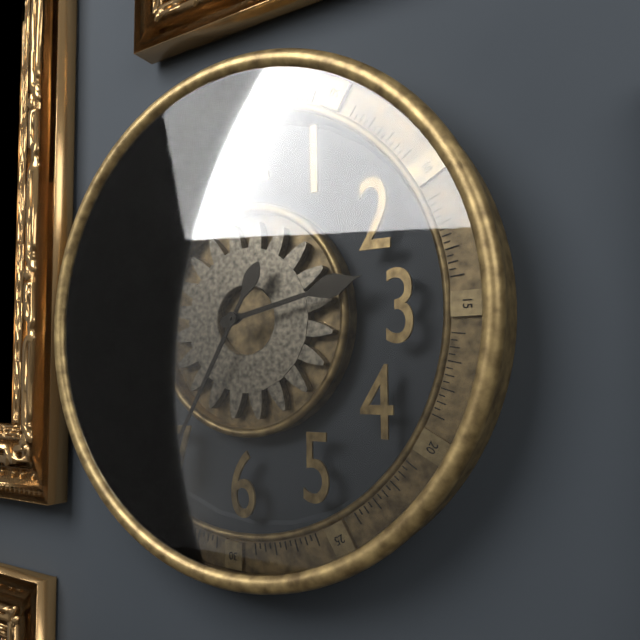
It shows 2.35
